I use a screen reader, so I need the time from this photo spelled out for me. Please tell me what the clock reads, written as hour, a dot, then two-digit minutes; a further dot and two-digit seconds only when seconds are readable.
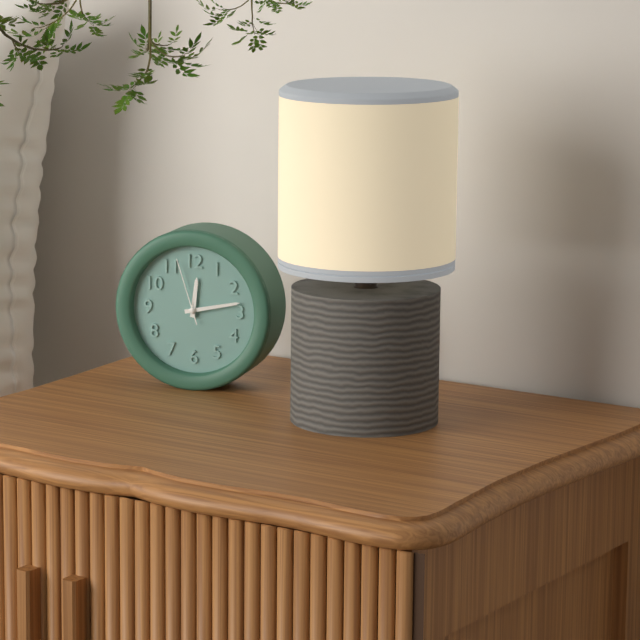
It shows 12.13.57
